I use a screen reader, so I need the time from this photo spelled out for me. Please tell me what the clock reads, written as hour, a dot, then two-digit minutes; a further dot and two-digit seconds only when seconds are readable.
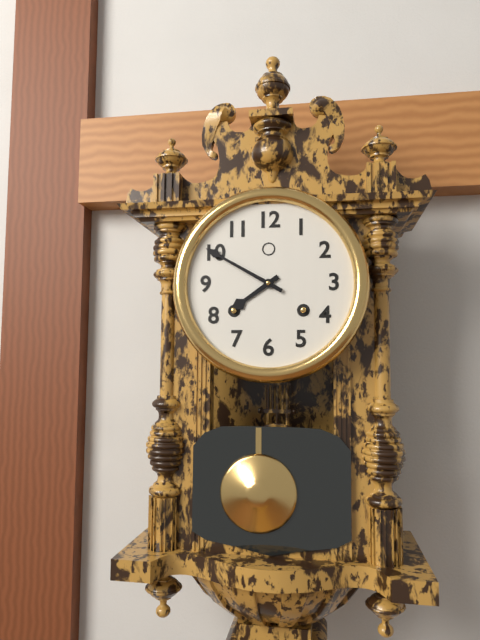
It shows 7.50
